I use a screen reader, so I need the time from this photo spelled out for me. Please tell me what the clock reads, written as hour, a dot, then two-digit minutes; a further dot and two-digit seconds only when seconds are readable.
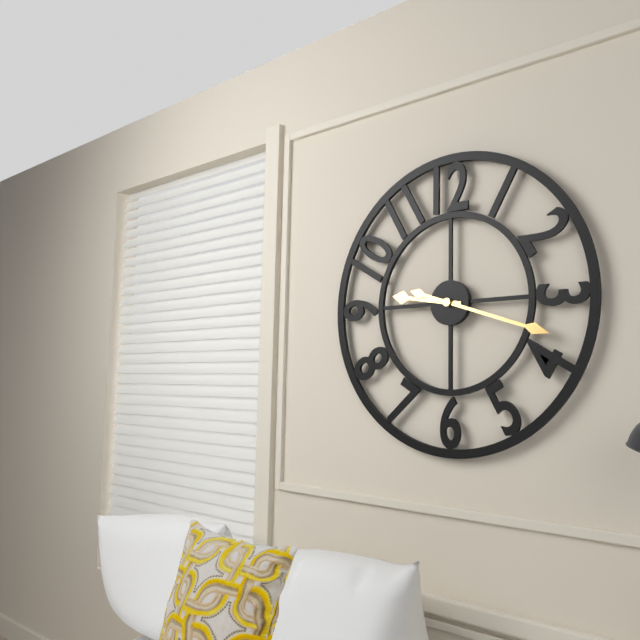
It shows 9.18
